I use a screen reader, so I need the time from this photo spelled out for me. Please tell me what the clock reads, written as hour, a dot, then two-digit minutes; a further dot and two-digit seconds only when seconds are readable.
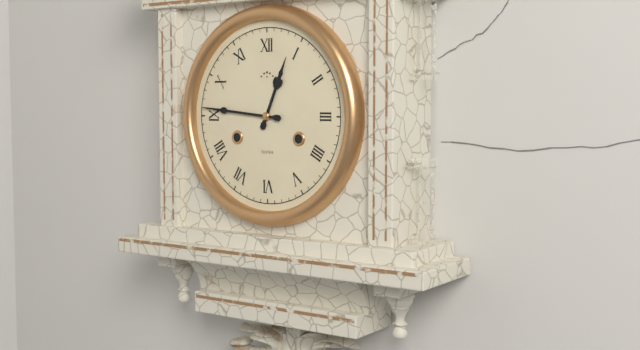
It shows 12.46
